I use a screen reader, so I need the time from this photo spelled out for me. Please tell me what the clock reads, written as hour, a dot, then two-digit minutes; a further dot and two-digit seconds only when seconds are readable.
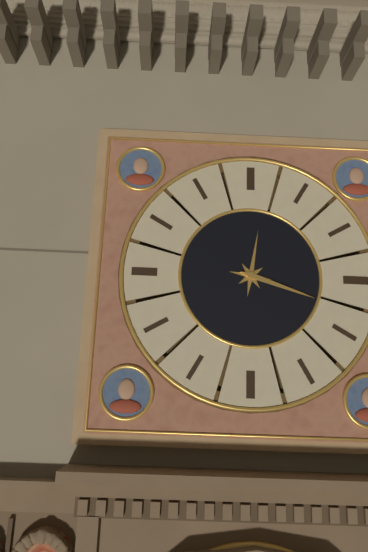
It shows 12.18
